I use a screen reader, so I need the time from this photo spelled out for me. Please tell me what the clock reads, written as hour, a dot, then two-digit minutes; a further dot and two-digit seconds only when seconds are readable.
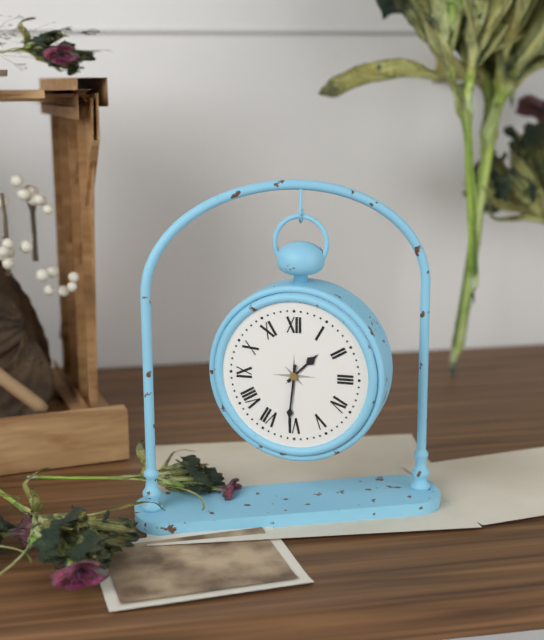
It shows 1.31
